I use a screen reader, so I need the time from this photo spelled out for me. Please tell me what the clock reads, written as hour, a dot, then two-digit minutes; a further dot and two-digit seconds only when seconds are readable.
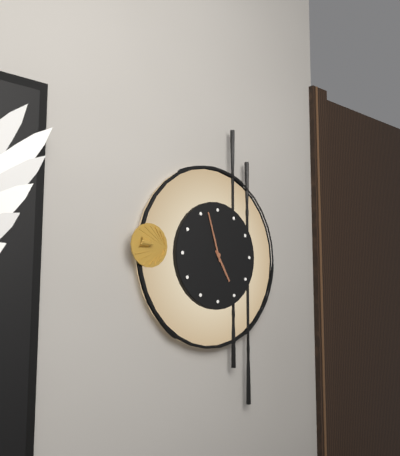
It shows 4.57
